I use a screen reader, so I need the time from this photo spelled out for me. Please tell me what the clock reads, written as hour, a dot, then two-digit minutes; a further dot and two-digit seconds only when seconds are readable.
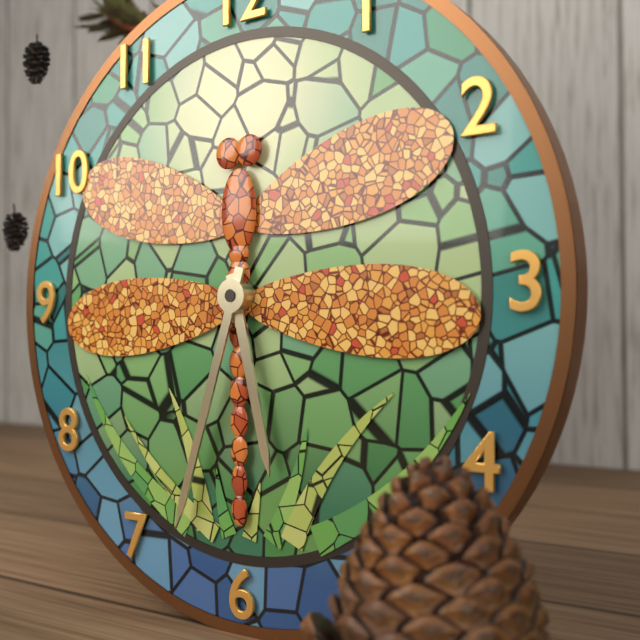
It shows 5.33
